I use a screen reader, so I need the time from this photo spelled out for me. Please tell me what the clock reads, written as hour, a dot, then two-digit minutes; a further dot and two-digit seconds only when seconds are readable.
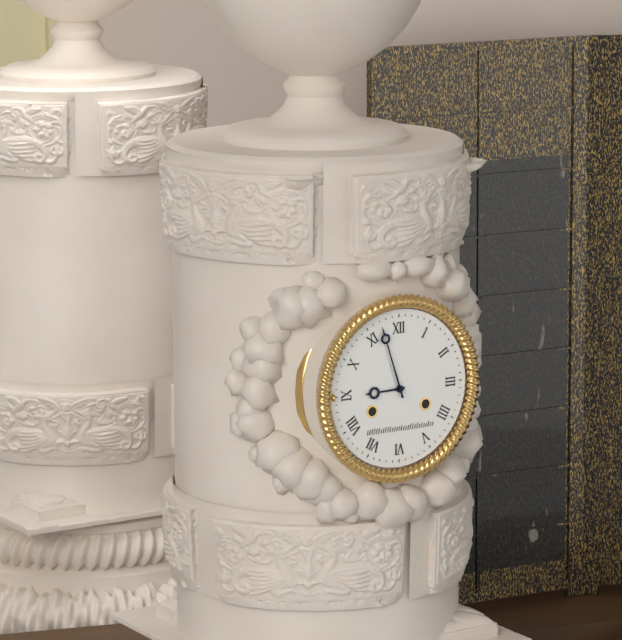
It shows 8.57
